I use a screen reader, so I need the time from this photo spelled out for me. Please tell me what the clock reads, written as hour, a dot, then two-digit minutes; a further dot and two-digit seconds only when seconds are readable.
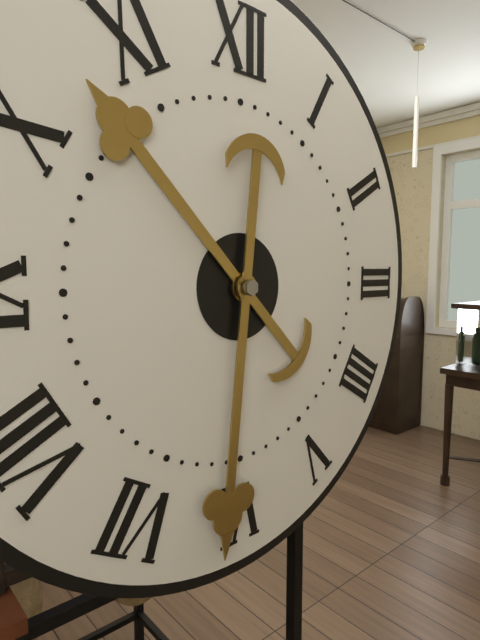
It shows 10.31
